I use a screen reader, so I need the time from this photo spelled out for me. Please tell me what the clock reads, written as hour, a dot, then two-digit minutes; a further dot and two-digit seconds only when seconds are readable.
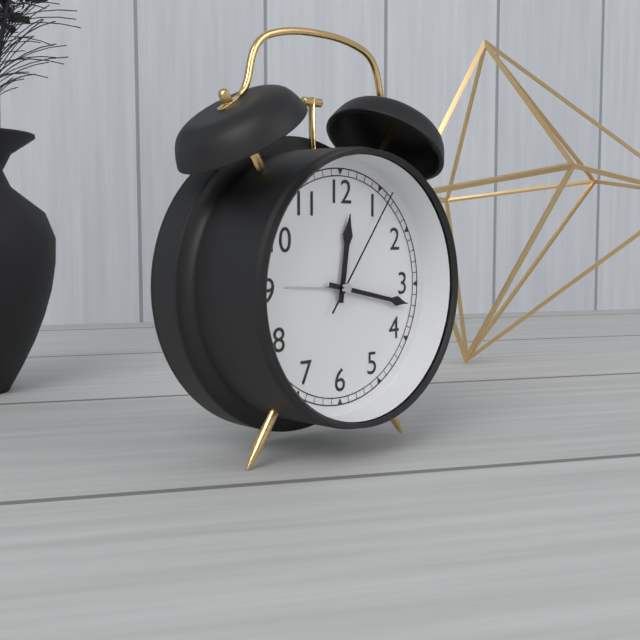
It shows 12.17.06
